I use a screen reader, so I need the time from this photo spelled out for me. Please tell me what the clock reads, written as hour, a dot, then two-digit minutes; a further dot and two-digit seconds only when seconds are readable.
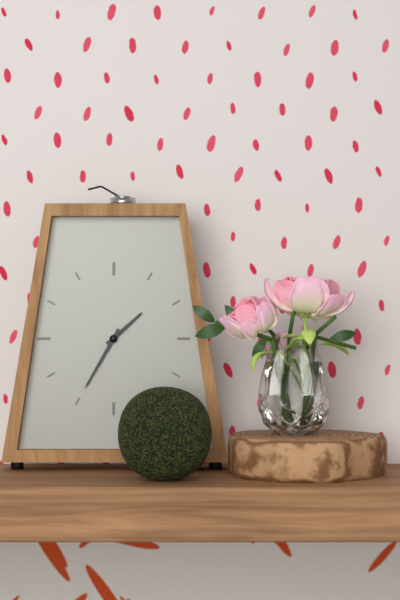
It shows 1.35
